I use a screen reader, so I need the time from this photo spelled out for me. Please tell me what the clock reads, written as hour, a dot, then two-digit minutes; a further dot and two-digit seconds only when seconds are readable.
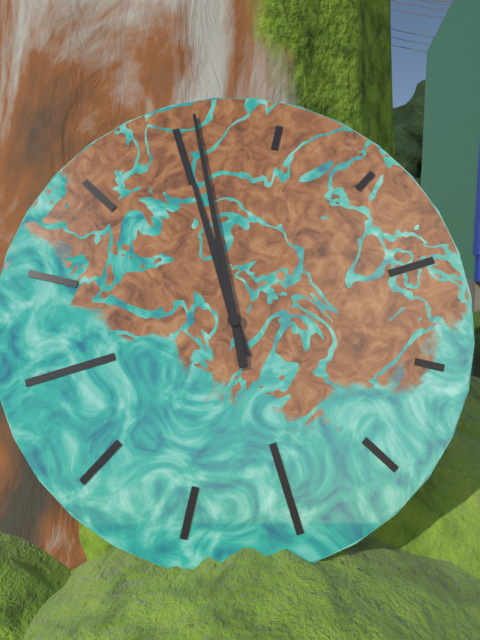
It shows 12.01
